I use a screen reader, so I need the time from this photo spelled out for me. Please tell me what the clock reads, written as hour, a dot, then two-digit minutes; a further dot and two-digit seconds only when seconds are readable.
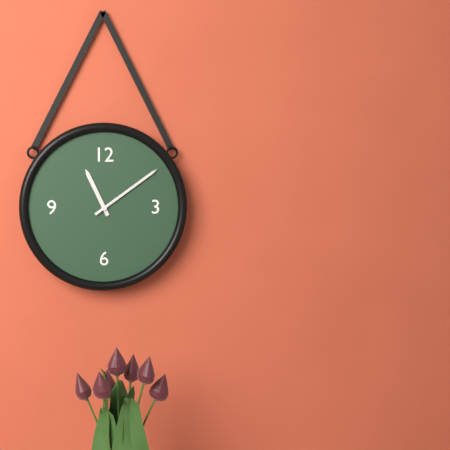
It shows 11.09
